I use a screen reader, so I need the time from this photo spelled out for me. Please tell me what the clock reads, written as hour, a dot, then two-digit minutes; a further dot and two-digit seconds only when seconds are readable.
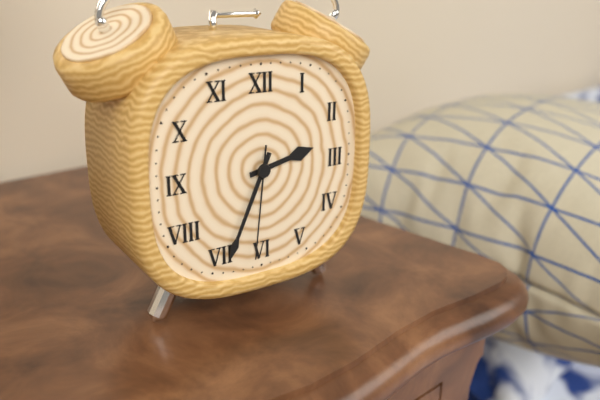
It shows 2.34.31
